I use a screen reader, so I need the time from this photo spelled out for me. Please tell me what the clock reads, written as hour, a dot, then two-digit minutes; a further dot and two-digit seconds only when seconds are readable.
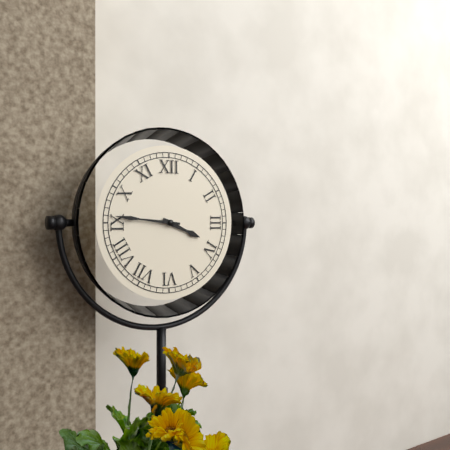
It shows 3.46
